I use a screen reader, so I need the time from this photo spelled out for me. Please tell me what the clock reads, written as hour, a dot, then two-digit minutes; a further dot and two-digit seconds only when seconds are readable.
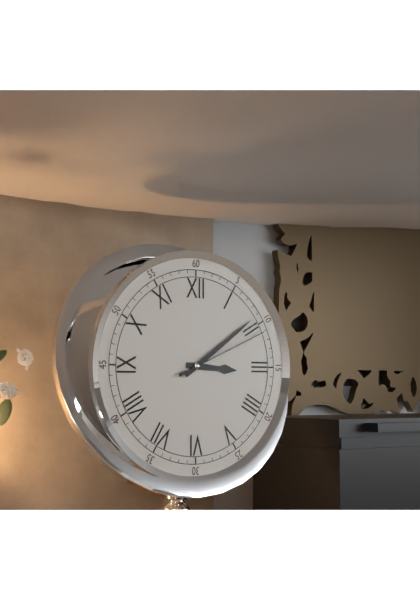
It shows 3.09.11
